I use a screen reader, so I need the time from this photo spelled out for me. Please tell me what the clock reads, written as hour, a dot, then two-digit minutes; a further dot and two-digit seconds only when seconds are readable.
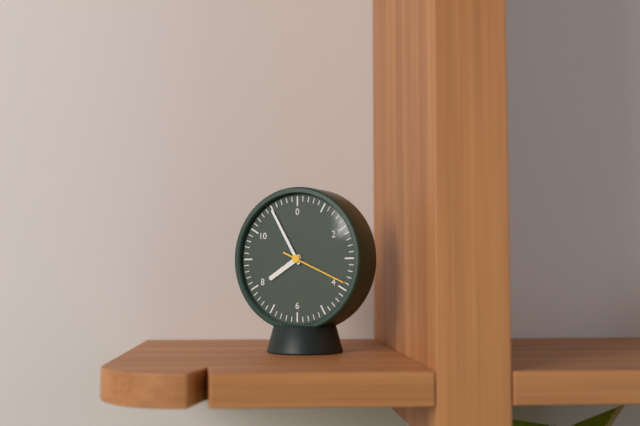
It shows 7.55.19
